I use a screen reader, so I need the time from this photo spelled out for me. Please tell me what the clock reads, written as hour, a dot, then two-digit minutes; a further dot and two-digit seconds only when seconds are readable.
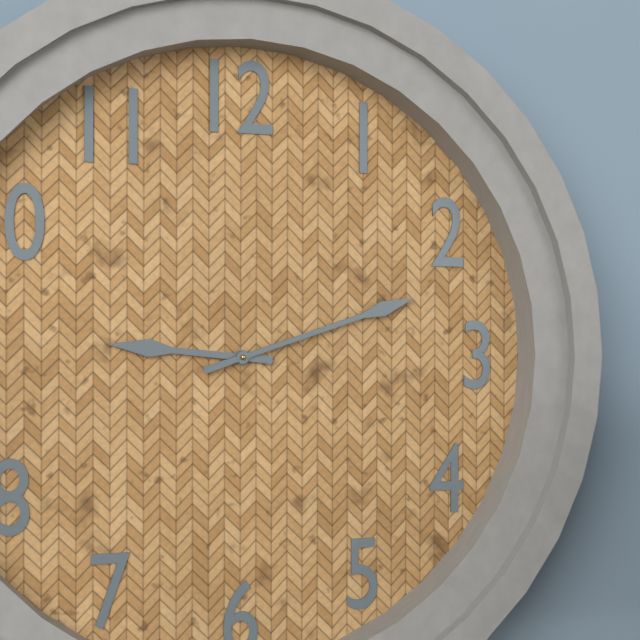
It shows 9.12
